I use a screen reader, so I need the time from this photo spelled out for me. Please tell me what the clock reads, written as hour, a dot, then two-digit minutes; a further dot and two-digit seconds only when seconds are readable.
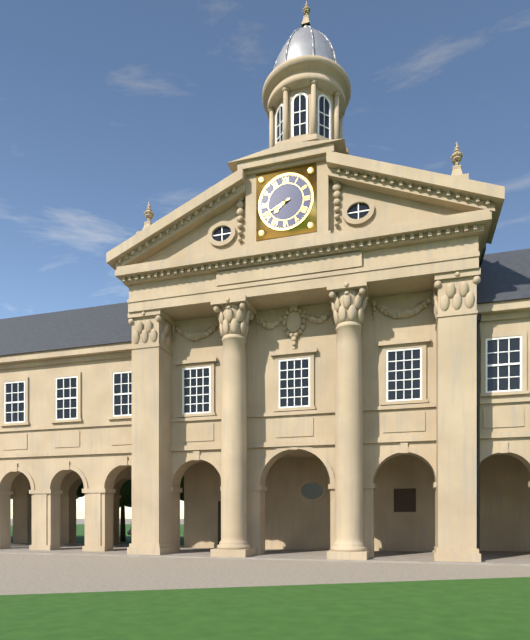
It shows 7.41
